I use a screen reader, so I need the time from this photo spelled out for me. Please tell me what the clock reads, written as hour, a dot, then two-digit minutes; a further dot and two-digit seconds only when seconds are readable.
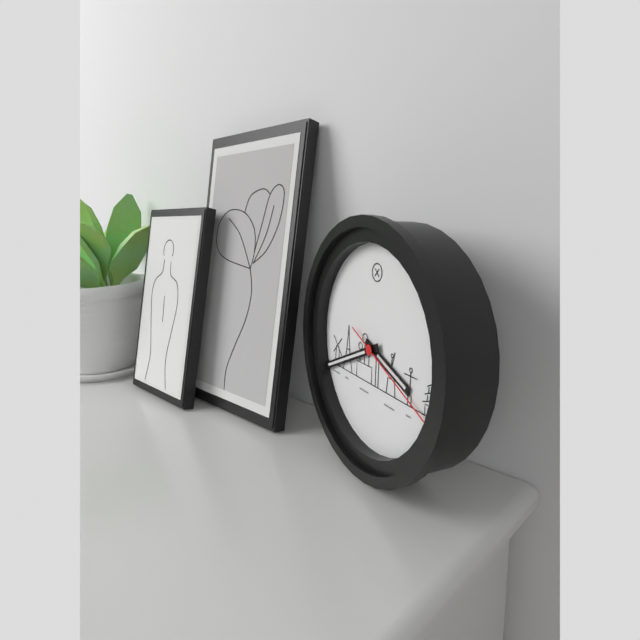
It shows 3.41.19
